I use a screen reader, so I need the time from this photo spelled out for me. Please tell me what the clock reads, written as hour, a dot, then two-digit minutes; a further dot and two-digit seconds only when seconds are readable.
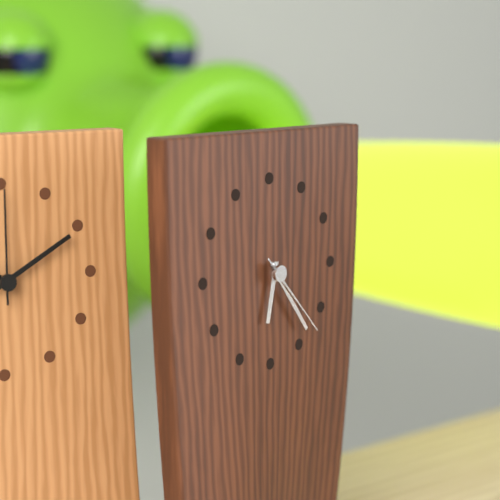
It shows 6.24.23
